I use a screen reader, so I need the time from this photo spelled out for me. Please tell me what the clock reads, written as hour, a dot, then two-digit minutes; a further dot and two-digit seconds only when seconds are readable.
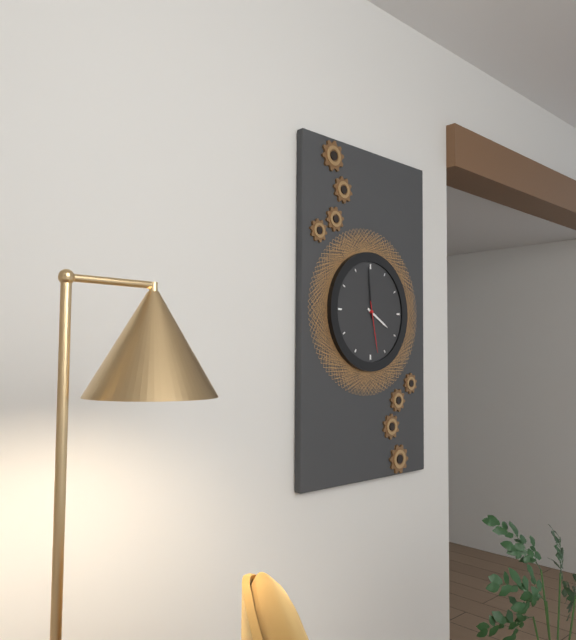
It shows 3.59.28
